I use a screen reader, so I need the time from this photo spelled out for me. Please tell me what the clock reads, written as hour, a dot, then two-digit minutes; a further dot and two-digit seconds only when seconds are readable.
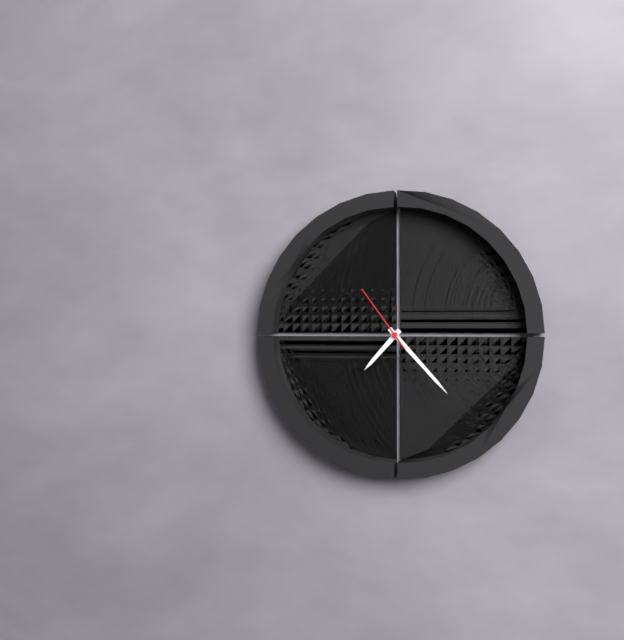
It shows 7.23.54
